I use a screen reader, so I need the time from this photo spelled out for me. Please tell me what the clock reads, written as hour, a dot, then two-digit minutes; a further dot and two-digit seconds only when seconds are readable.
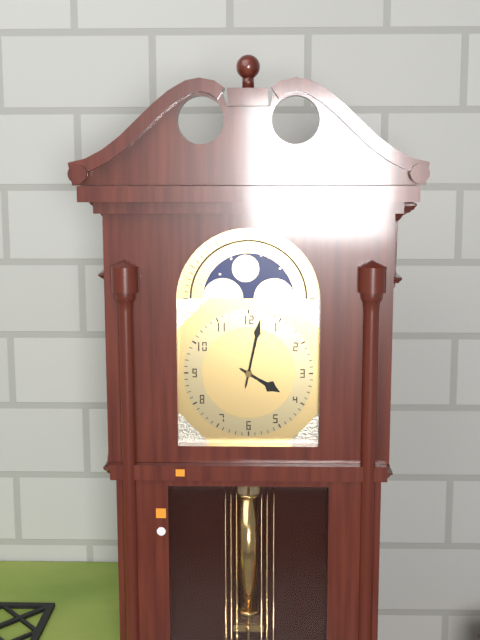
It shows 4.02
